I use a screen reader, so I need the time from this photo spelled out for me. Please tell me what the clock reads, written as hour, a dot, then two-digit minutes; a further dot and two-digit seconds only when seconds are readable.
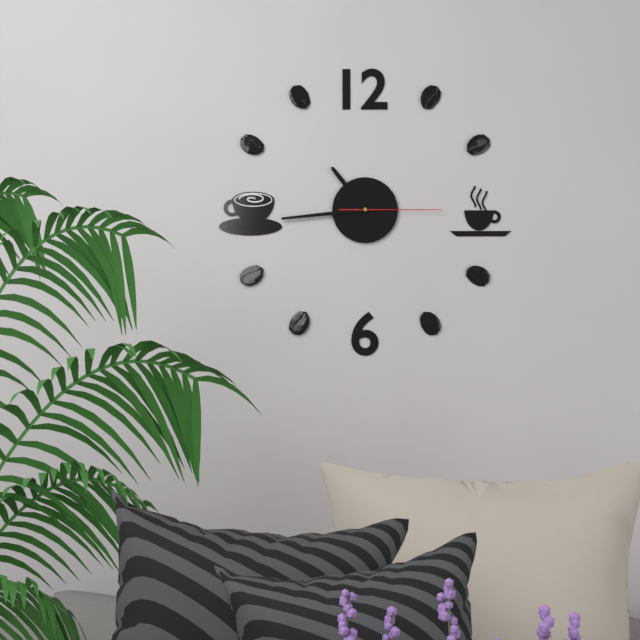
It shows 10.44.15
